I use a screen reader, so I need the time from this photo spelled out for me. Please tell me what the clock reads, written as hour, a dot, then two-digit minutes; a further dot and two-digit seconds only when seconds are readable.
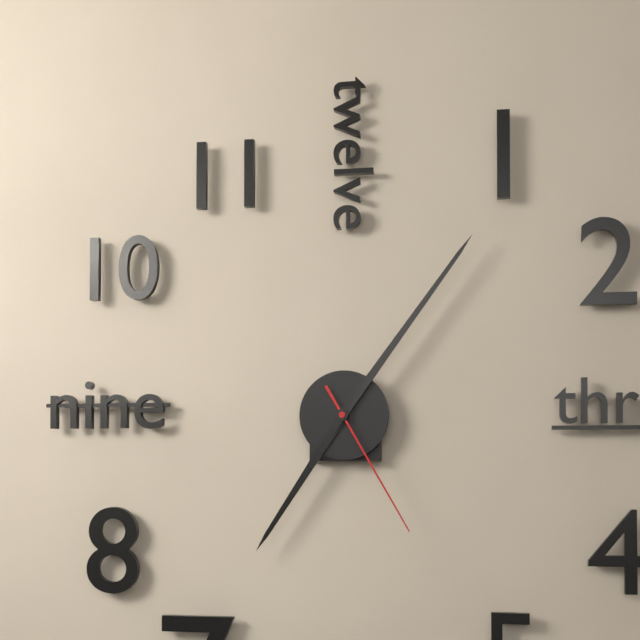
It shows 7.06.25
